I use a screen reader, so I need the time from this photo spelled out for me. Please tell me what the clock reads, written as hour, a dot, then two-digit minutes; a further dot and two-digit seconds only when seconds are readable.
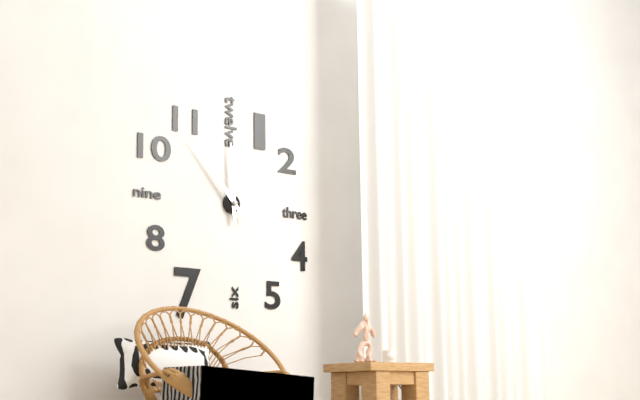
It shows 11.53
